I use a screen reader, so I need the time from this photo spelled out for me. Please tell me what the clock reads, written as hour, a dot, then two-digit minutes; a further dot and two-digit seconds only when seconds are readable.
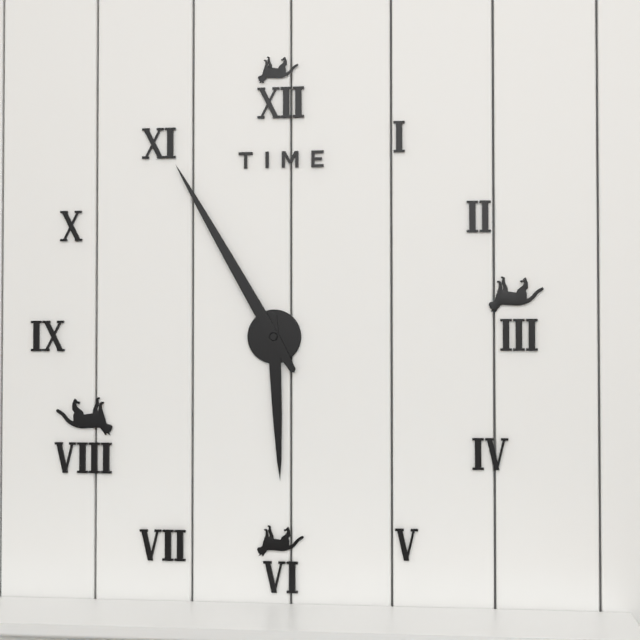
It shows 5.55
